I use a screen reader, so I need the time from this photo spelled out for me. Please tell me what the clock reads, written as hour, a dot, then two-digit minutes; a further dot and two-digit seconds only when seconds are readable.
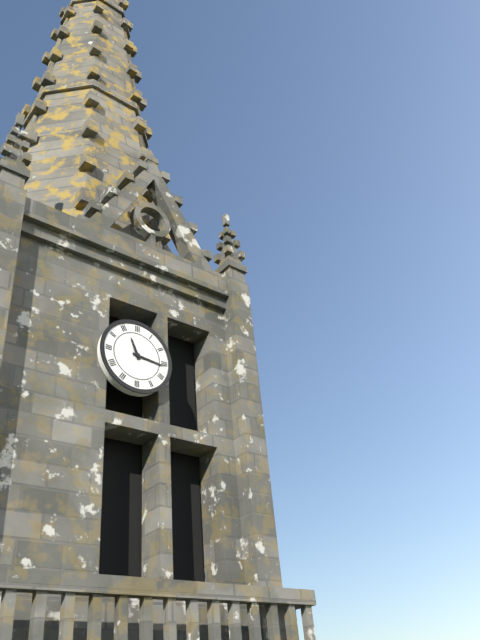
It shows 11.16
